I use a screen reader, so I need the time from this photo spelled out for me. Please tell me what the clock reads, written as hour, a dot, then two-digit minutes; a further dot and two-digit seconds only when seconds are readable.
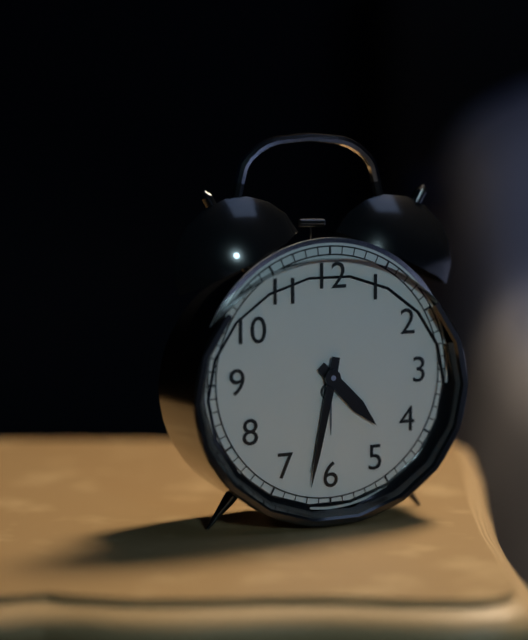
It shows 4.32
